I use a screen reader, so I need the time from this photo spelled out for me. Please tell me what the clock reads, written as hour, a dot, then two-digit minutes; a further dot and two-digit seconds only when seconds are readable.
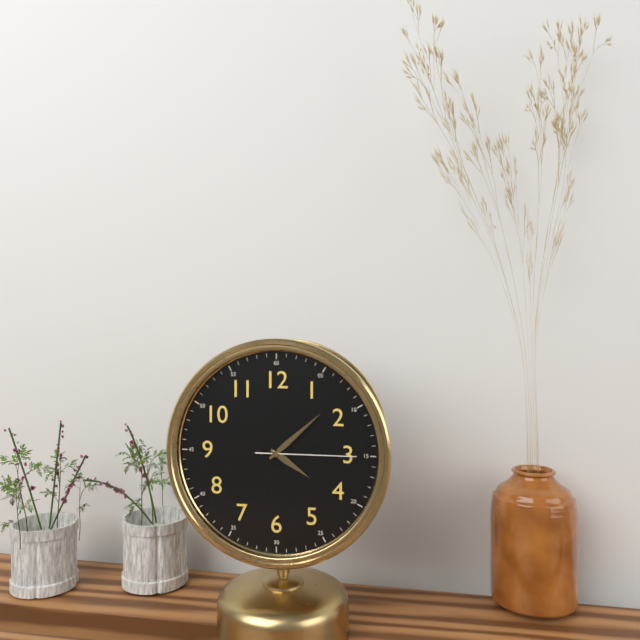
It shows 4.08.15
